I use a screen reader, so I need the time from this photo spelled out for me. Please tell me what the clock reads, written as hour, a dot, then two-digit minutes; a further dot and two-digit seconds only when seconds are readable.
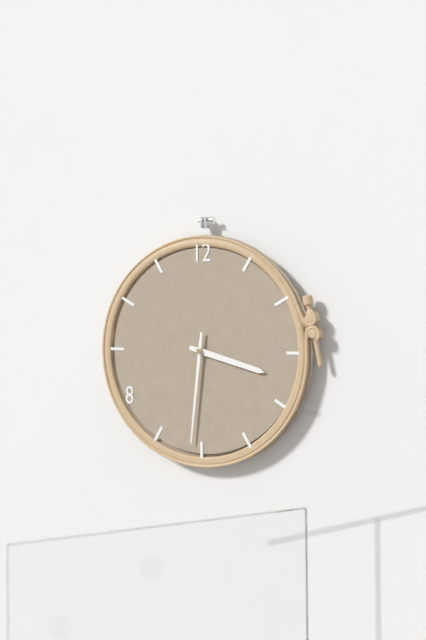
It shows 3.31
